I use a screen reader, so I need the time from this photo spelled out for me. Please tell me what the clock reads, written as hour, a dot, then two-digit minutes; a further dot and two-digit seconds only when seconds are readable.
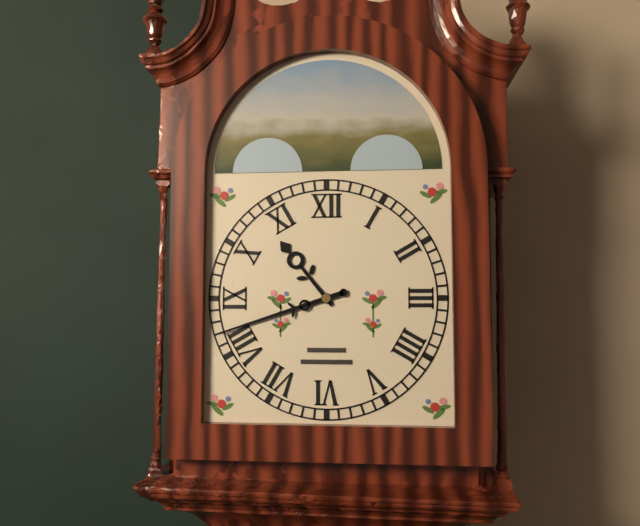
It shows 10.42
